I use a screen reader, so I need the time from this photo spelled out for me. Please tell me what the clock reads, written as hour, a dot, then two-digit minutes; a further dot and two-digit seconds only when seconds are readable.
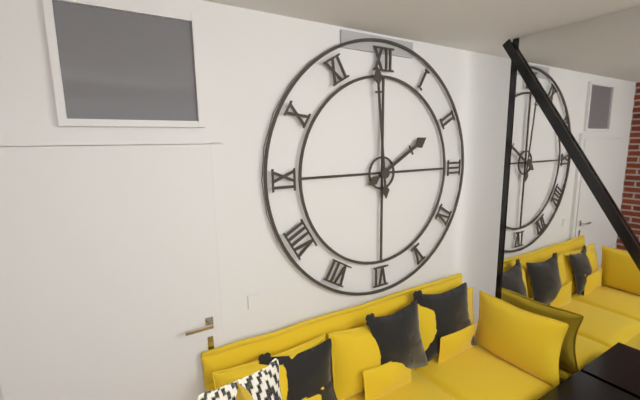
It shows 1.59
